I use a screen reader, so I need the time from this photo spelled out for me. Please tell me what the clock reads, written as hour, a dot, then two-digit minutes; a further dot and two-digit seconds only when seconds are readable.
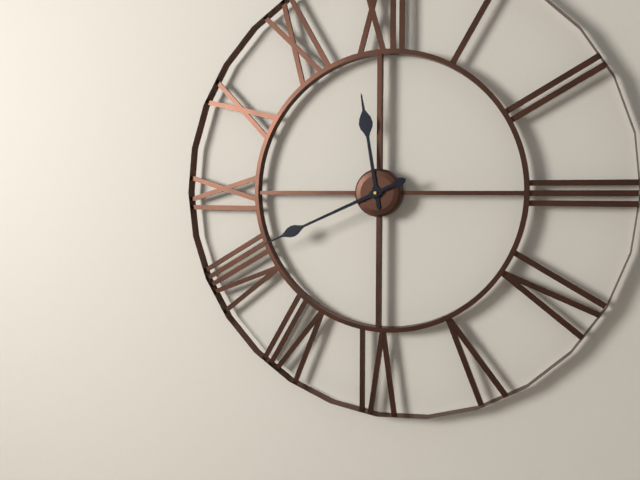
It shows 11.41
